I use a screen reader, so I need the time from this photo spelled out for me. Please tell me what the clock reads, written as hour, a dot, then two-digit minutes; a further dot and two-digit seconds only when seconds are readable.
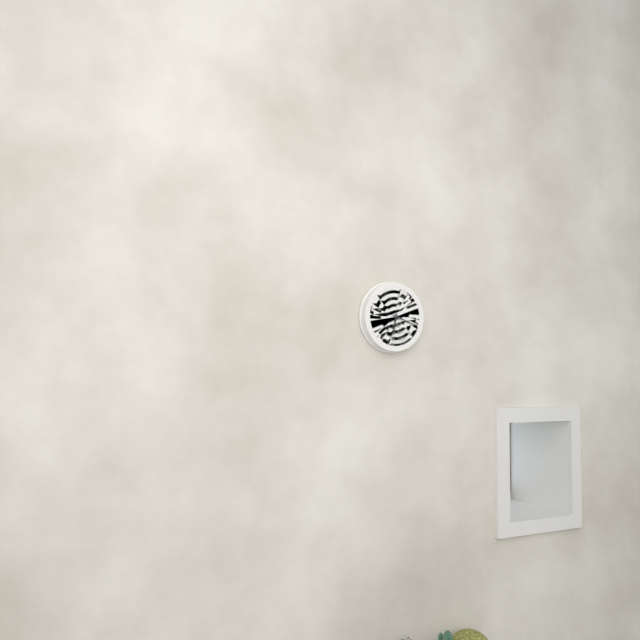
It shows 6.18
